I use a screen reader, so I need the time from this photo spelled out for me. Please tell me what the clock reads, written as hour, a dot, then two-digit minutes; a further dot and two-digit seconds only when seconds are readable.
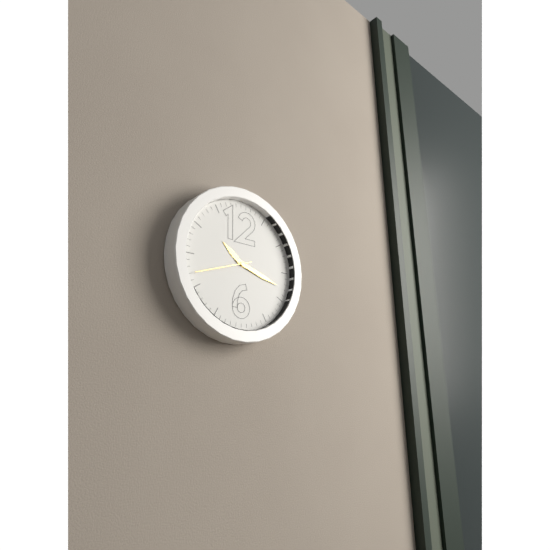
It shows 10.18.42
